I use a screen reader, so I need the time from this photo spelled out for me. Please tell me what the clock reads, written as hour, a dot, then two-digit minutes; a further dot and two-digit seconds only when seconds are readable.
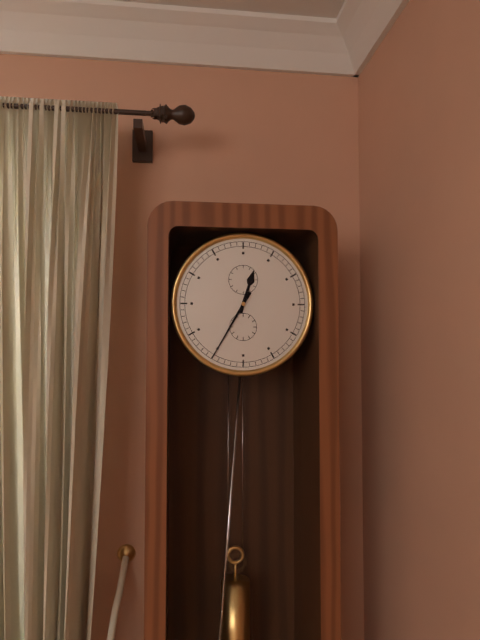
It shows 12.35
